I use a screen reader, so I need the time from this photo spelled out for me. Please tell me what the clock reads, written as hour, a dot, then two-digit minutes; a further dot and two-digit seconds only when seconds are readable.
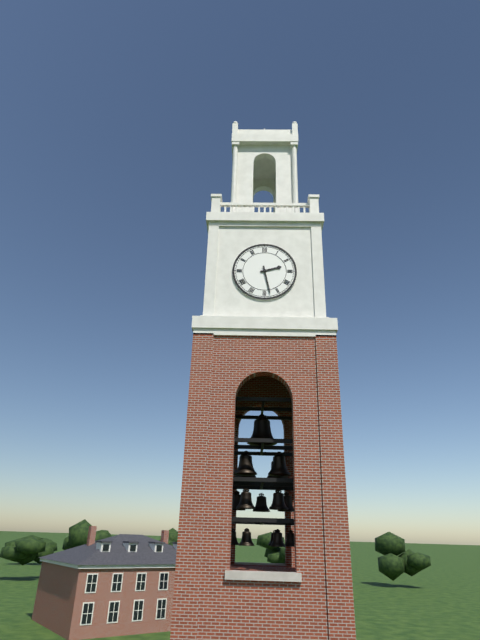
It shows 2.28
